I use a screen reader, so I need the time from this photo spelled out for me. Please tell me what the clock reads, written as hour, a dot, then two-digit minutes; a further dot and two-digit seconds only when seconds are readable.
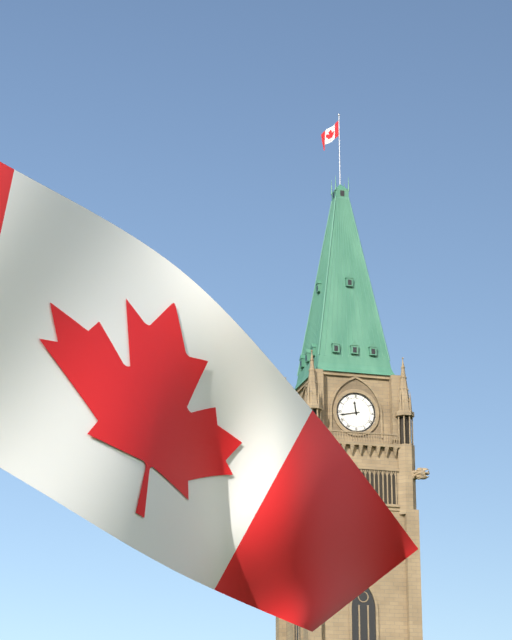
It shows 11.43
